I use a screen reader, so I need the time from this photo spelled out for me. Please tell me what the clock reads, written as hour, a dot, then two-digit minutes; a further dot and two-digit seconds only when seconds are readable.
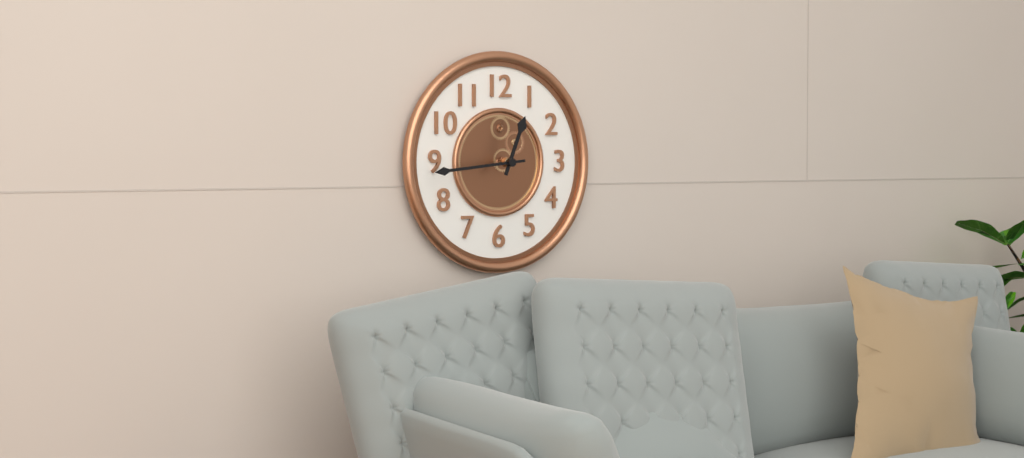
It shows 12.44
